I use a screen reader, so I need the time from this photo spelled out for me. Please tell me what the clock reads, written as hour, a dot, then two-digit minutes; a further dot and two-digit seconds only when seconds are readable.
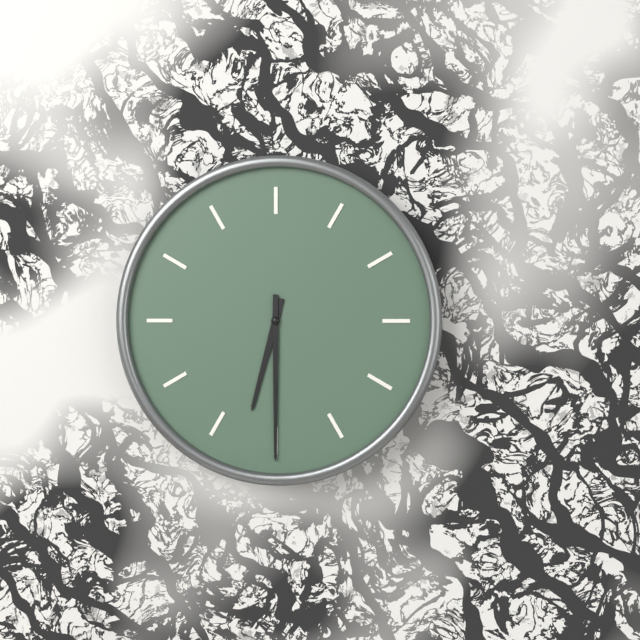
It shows 6.30
